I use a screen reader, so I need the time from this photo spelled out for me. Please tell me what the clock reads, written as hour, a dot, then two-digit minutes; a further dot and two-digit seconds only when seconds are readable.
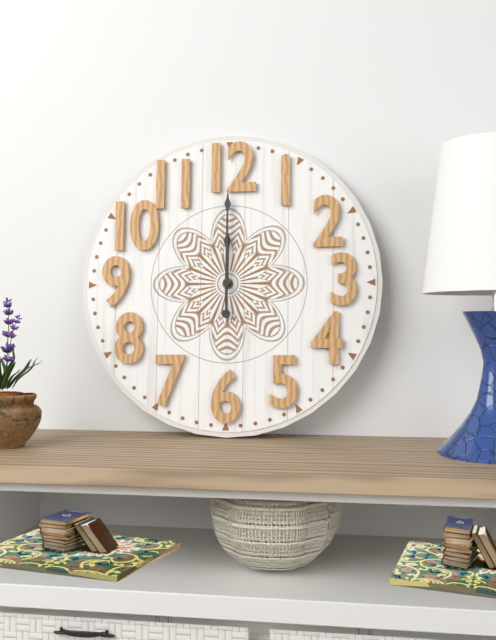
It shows 12.00
